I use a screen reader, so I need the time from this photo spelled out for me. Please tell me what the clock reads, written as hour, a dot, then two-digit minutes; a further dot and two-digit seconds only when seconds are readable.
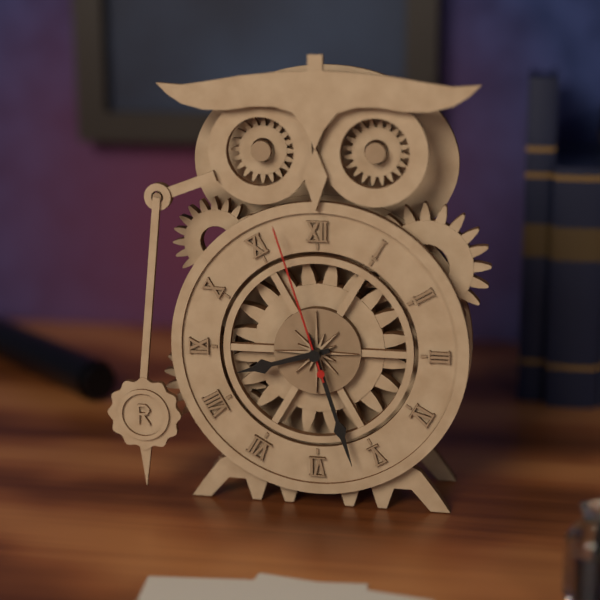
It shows 8.27.57
